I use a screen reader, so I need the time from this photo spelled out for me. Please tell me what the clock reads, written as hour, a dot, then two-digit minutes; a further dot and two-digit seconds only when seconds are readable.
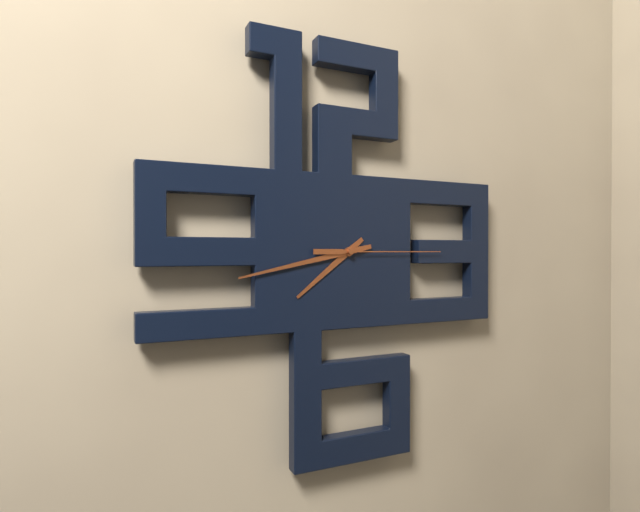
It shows 7.43.15
